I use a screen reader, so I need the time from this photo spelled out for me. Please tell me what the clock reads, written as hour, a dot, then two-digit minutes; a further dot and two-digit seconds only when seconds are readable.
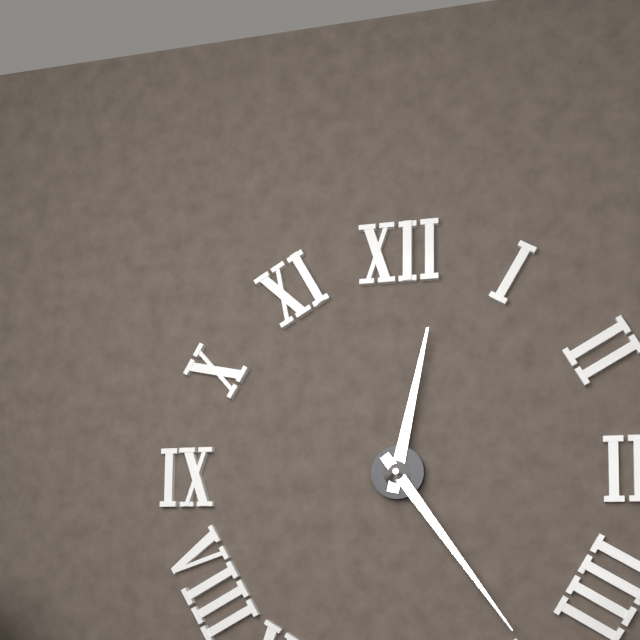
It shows 12.24
